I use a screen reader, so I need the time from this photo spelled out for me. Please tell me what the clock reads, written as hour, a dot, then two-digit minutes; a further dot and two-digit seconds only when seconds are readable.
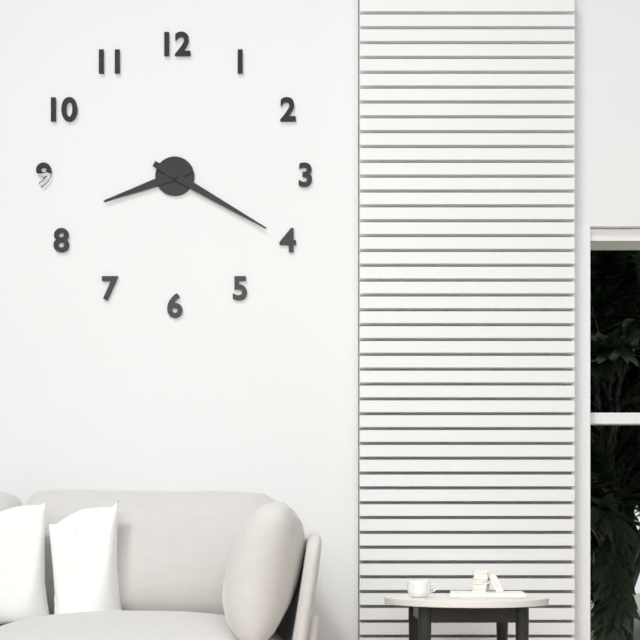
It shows 8.20
